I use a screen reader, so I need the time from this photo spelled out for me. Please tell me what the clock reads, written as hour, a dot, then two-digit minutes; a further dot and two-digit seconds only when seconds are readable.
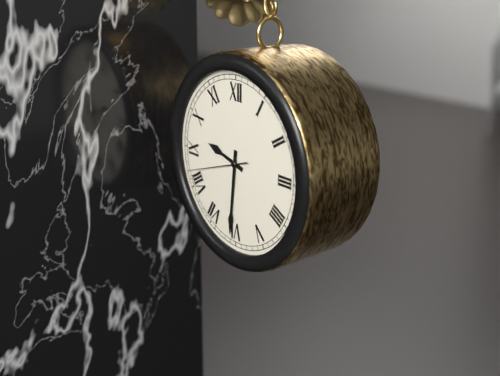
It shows 9.31.42
